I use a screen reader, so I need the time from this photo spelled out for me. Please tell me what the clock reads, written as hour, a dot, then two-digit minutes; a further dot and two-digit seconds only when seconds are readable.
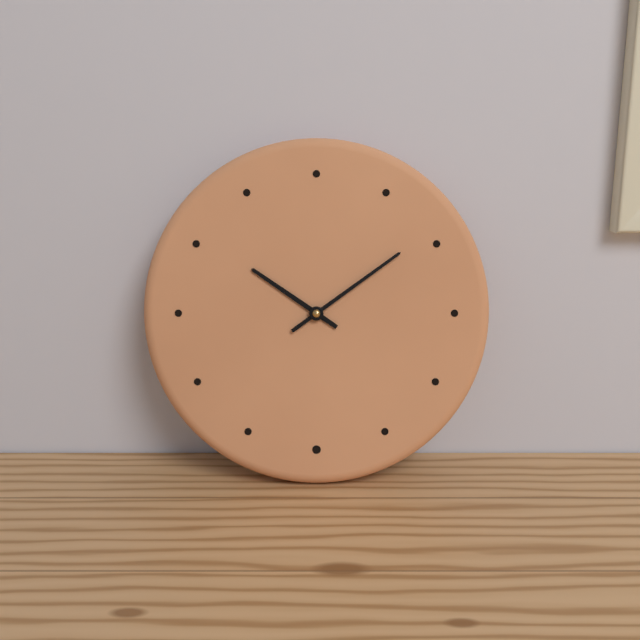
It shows 10.09
